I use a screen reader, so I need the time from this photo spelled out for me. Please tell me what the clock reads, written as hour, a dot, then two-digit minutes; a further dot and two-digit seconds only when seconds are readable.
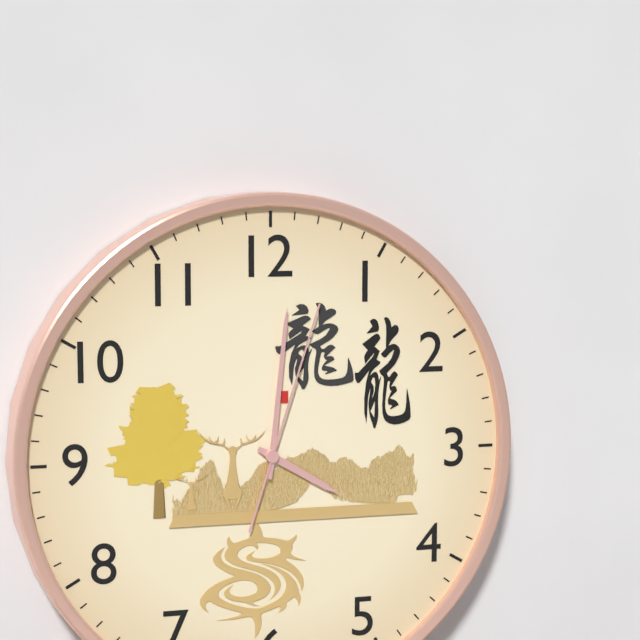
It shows 4.01.03
